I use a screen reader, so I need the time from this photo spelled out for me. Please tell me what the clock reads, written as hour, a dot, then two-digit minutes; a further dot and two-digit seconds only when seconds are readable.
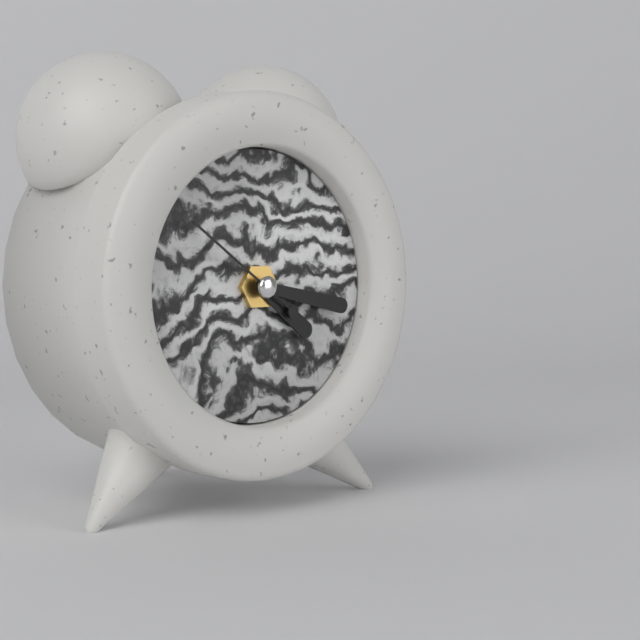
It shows 4.17.51
